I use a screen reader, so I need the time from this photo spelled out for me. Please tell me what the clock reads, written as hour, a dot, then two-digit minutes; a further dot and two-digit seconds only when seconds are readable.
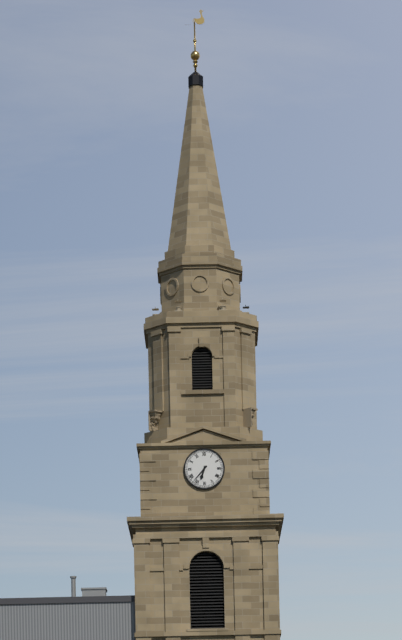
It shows 6.37
